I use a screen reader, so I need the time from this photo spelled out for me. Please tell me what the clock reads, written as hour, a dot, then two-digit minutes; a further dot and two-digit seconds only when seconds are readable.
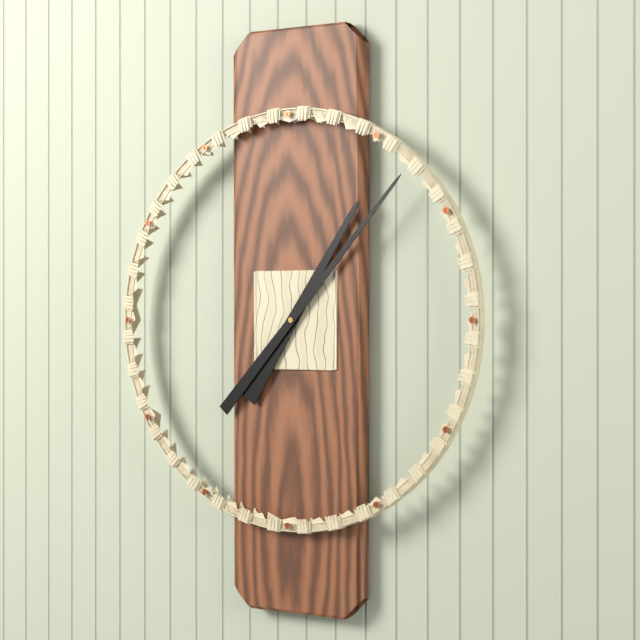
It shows 1.07
